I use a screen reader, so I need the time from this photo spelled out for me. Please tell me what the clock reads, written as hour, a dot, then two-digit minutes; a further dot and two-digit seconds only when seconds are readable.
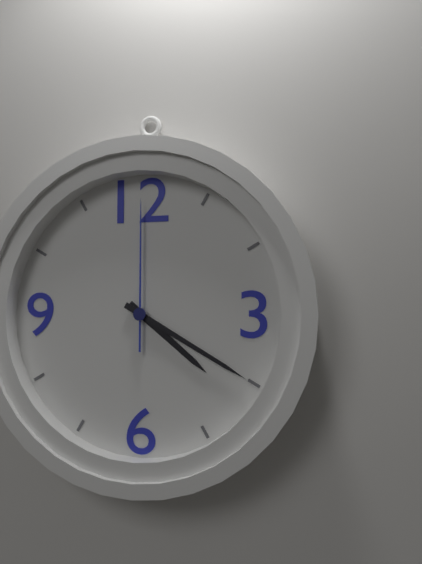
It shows 4.20.00
